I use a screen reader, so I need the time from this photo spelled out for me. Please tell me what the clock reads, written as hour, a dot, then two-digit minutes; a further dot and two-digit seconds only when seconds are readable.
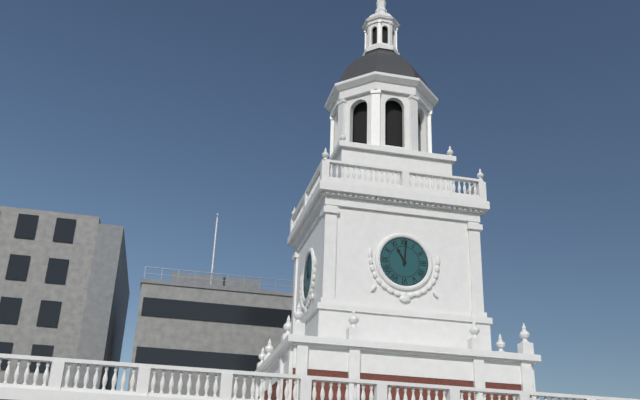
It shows 11.01
